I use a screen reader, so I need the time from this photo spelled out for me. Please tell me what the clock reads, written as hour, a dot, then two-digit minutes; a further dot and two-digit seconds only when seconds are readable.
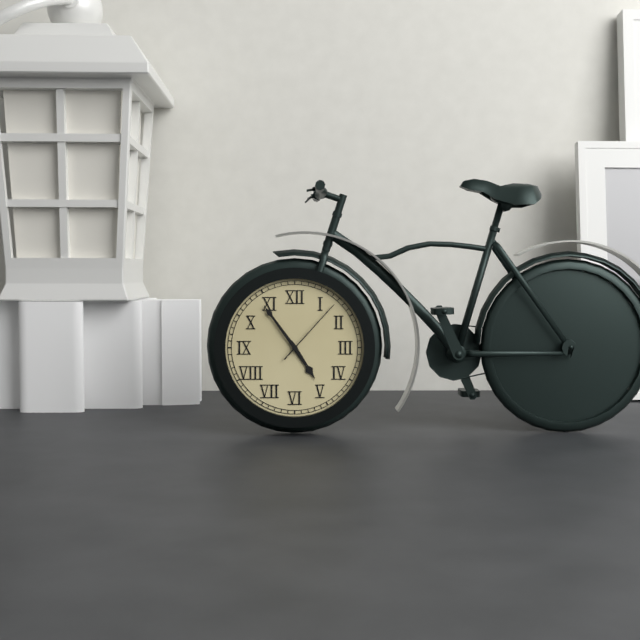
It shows 4.54.07
